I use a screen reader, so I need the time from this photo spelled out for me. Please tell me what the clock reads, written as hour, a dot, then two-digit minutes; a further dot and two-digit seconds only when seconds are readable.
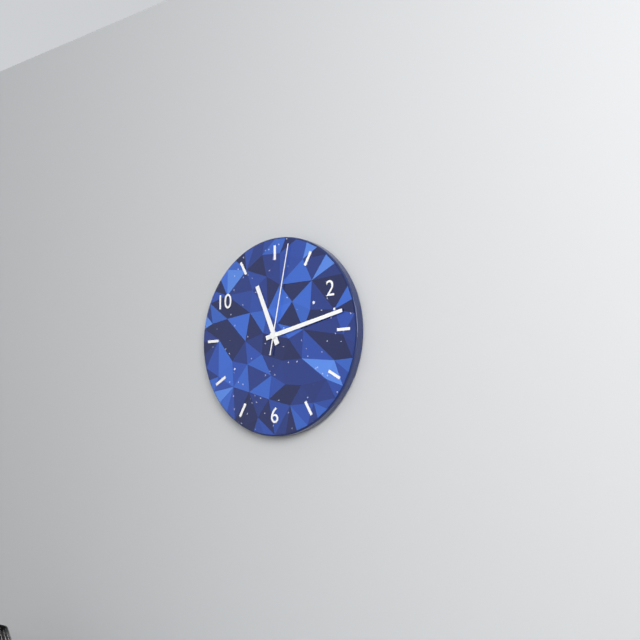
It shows 11.13.02
